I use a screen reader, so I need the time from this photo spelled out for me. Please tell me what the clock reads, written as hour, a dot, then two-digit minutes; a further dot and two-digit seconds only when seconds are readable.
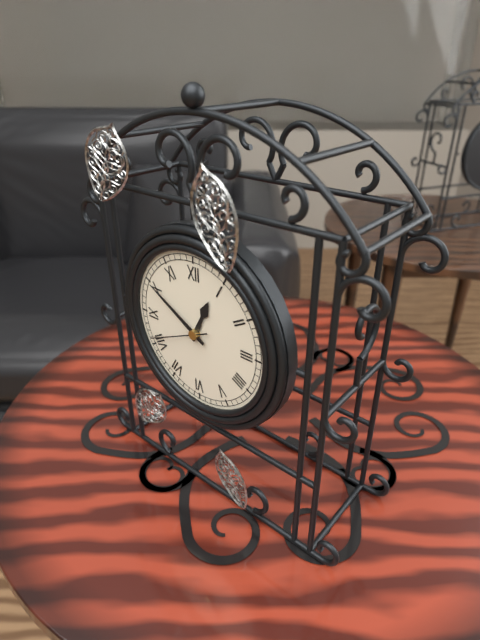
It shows 12.50.41
